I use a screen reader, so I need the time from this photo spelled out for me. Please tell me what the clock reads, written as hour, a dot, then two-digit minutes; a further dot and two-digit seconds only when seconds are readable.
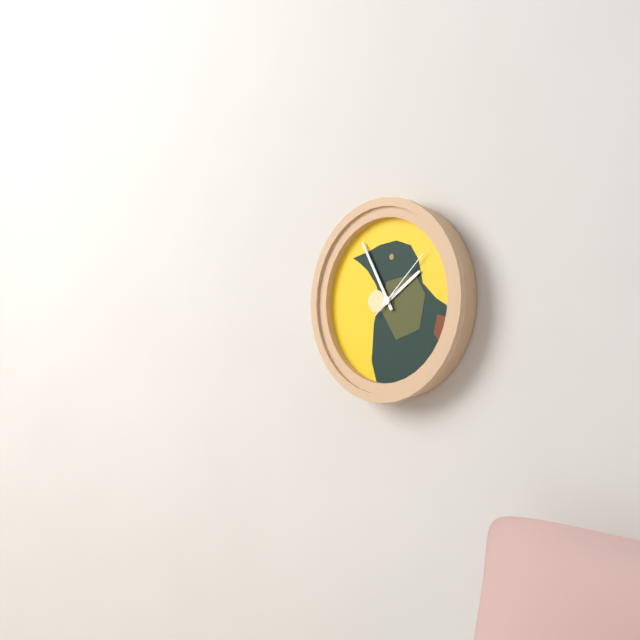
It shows 1.55.08
